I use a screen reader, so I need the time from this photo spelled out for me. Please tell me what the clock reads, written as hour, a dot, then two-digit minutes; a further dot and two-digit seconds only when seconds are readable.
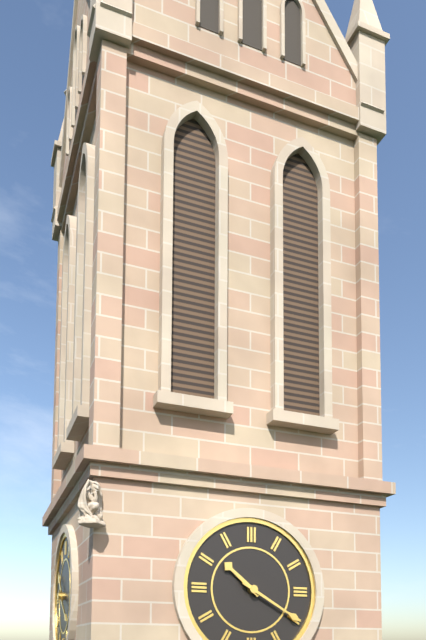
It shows 10.20
